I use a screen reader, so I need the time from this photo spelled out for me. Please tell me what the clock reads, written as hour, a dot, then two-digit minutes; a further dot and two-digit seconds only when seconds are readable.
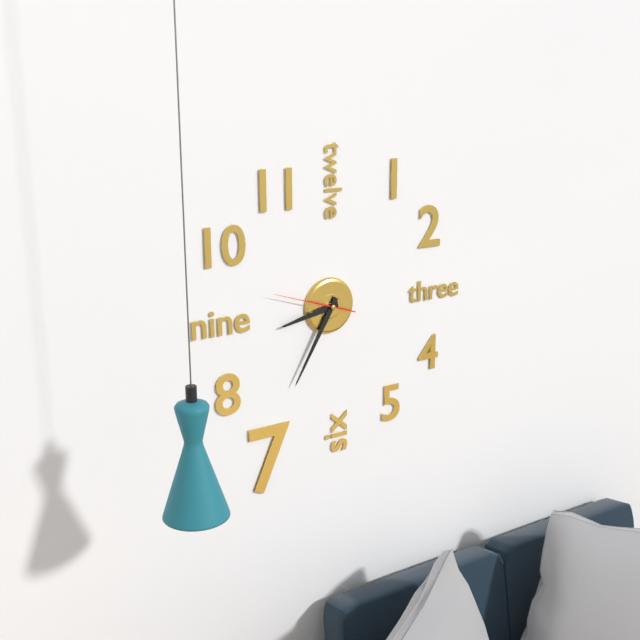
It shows 8.35.48
